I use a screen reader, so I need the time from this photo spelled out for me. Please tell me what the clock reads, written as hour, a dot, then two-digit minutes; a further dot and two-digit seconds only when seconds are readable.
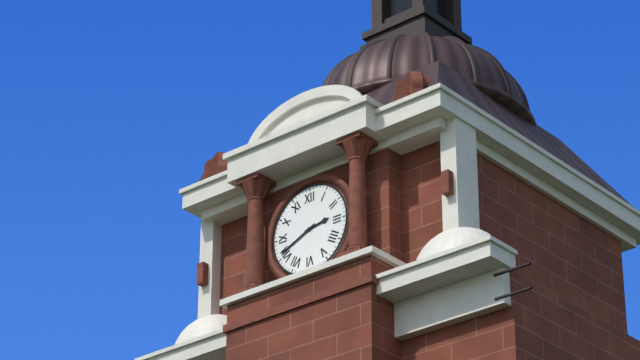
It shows 2.41
